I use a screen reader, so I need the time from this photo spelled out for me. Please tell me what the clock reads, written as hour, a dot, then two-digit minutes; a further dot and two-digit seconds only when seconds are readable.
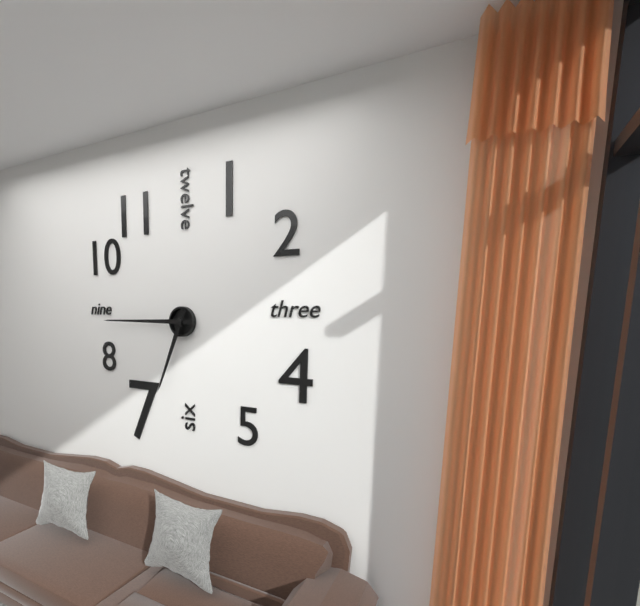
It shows 6.45
